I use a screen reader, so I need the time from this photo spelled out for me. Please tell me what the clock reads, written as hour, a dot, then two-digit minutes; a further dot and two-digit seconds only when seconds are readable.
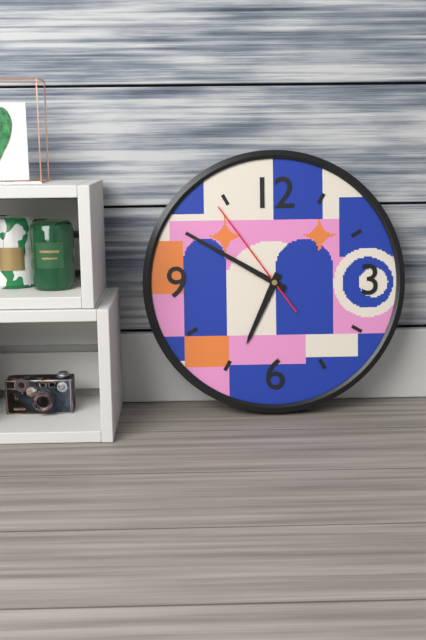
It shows 6.50.54
